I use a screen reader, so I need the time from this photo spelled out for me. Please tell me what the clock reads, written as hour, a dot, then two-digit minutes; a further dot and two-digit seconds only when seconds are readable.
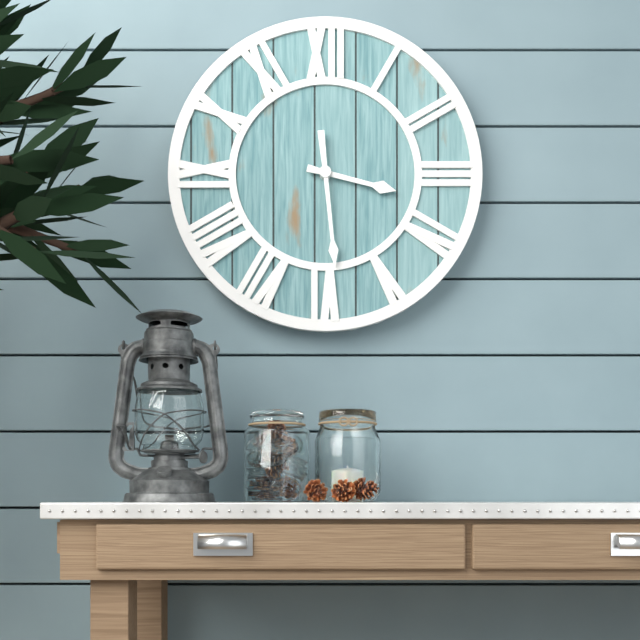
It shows 3.29
